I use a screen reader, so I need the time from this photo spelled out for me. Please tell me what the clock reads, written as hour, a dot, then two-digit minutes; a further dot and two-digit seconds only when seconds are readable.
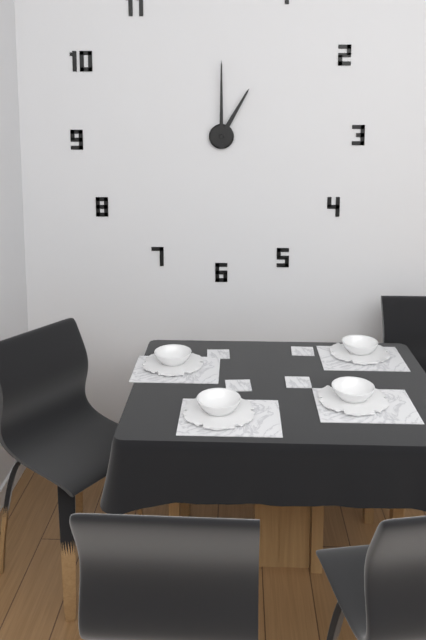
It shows 1.00
